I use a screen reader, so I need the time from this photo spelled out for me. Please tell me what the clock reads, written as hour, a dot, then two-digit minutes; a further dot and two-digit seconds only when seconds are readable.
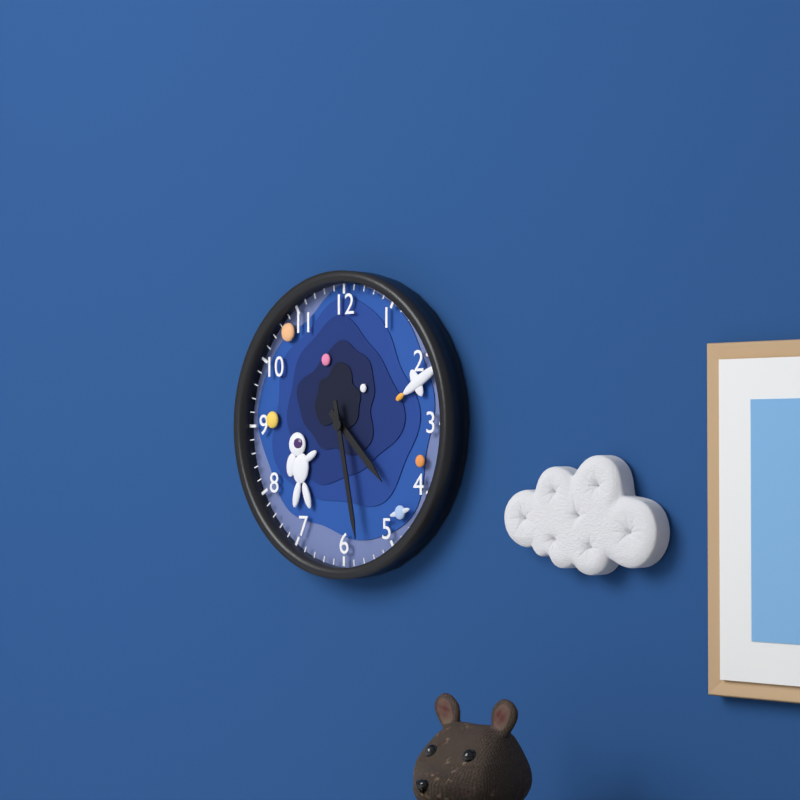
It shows 4.28
